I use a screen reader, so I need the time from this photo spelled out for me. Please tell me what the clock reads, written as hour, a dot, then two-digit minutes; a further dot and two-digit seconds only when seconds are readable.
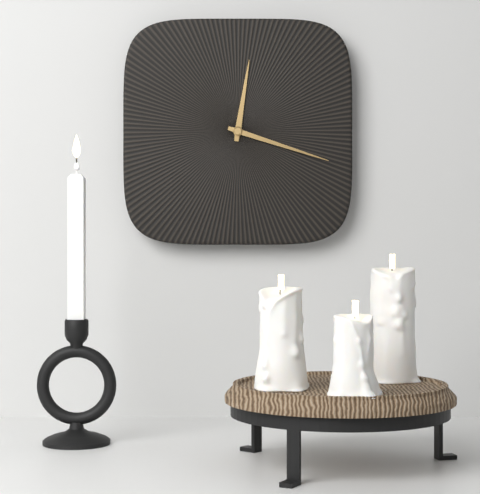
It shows 12.18
